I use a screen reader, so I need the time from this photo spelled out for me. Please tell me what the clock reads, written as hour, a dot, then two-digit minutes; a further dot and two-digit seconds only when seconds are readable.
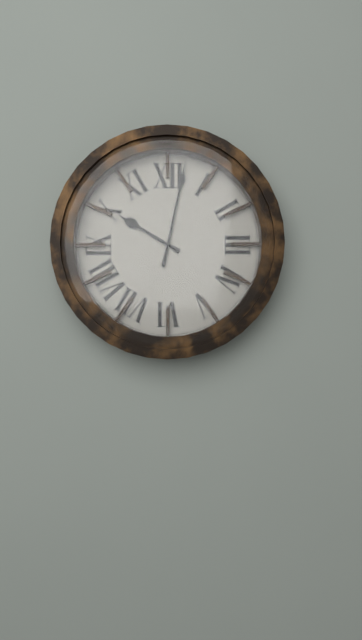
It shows 10.02
